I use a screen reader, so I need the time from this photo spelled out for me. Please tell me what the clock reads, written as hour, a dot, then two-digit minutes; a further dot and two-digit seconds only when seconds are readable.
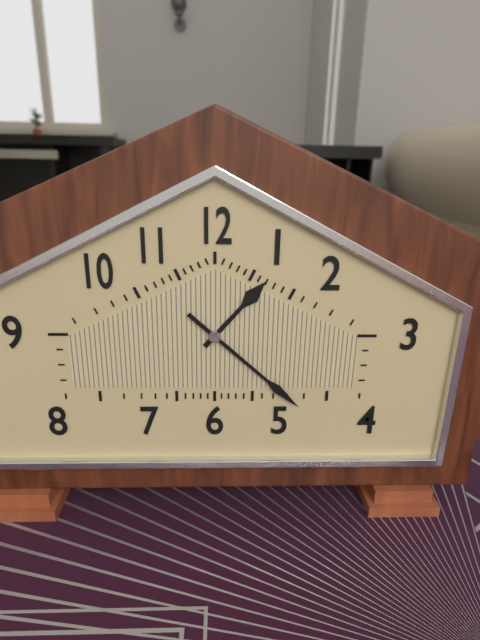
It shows 1.22
